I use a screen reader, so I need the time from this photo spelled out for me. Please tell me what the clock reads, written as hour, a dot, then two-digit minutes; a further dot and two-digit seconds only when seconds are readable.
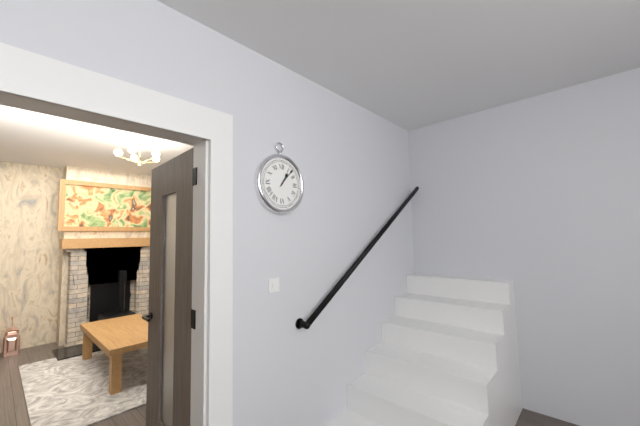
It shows 1.07
